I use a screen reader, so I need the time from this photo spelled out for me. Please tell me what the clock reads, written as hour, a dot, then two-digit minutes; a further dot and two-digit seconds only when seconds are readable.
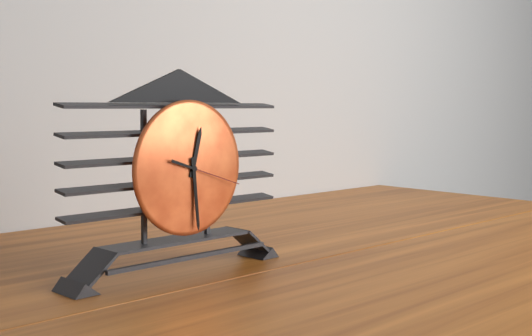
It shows 12.29.18
